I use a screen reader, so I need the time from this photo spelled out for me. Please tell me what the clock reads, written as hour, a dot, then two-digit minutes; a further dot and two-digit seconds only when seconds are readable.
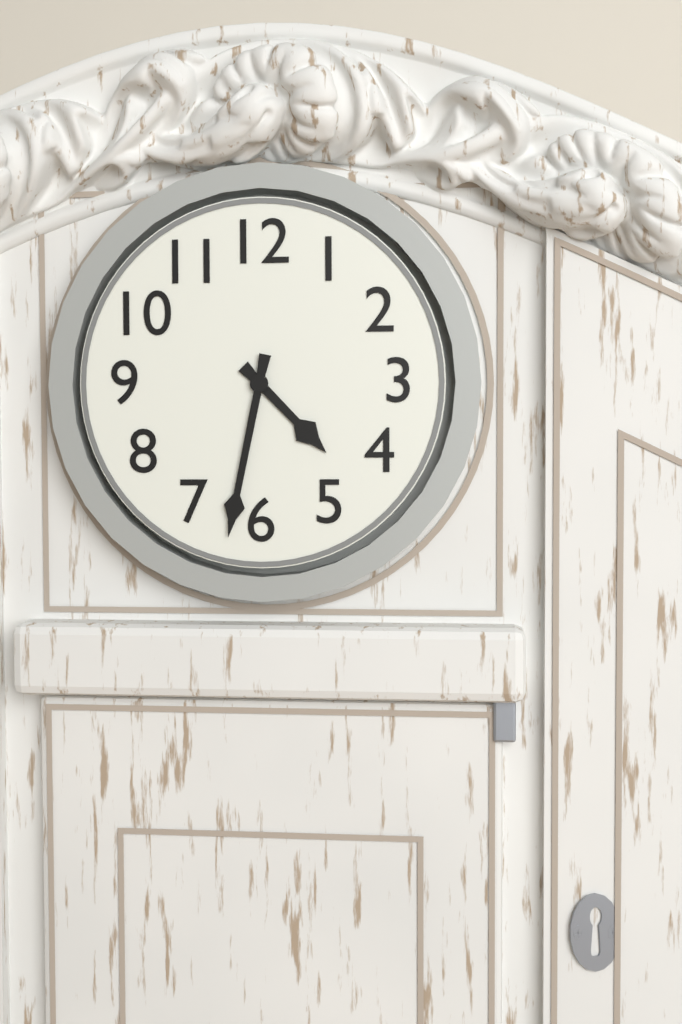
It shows 4.32
